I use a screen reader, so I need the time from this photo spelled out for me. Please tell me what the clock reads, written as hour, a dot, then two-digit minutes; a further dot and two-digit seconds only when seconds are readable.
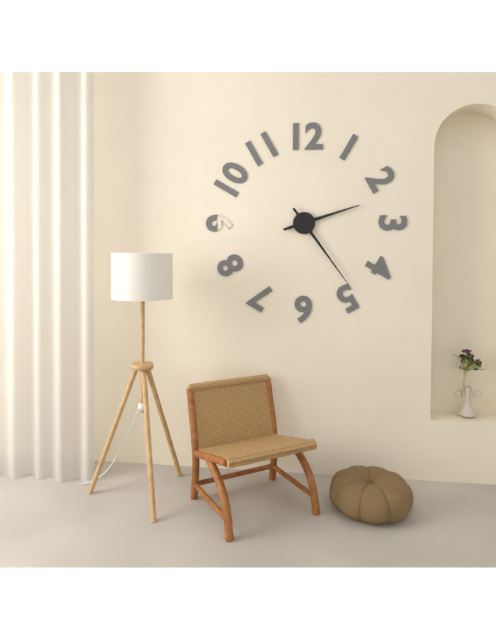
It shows 2.24
